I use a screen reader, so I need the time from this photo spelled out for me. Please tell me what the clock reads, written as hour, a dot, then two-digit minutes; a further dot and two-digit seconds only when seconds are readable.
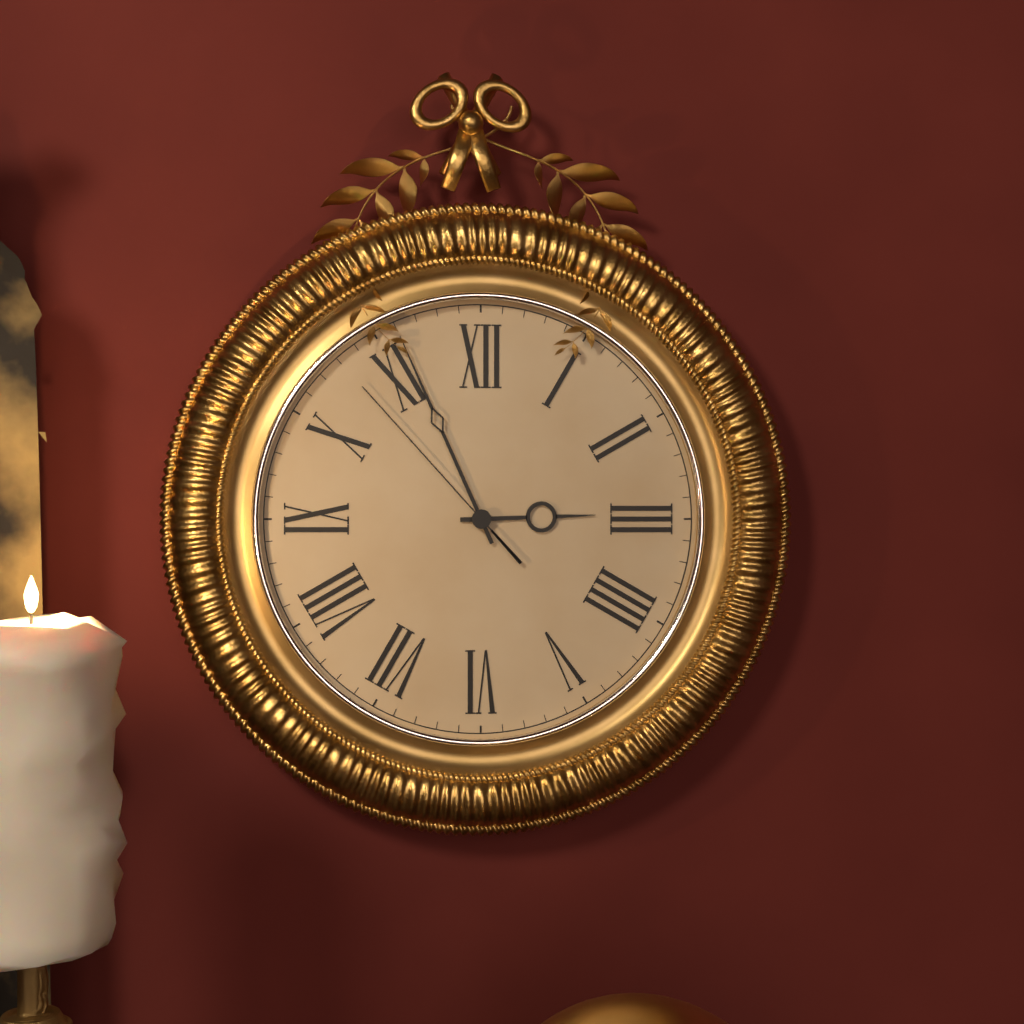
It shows 2.56.53
